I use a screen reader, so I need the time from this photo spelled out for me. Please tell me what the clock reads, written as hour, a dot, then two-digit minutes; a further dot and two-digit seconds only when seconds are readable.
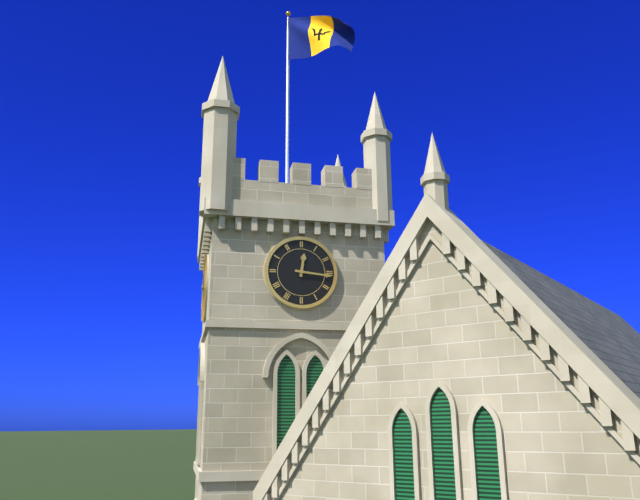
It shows 12.16
